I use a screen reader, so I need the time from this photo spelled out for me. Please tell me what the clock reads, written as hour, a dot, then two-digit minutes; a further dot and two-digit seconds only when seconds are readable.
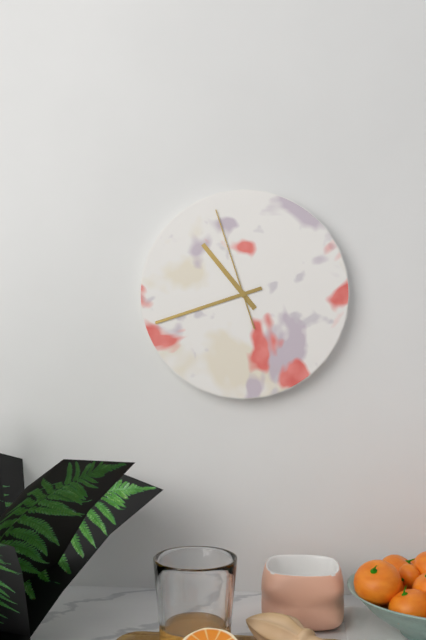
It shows 10.42.57
